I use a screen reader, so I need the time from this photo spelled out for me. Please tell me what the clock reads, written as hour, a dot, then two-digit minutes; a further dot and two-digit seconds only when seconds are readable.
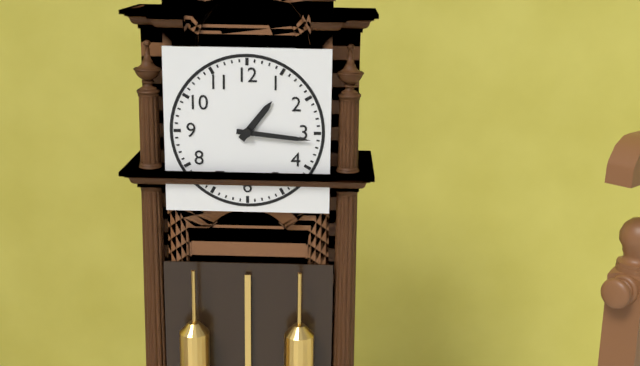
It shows 1.16
